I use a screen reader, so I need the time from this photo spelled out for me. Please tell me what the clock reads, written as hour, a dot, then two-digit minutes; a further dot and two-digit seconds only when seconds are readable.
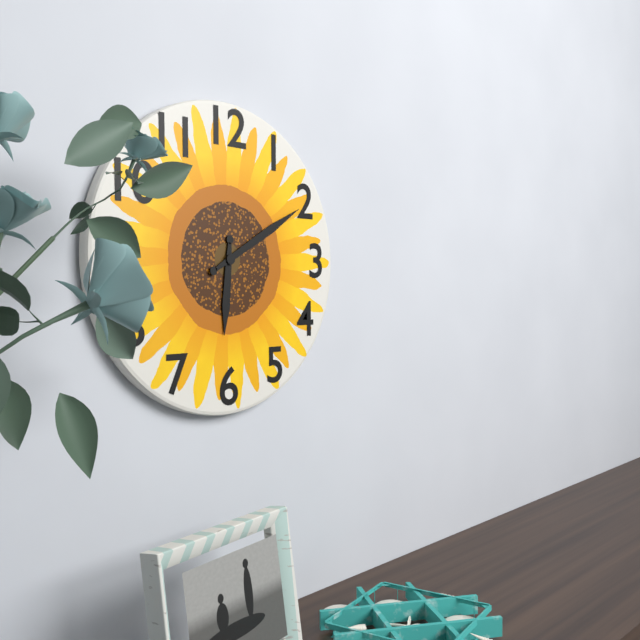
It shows 6.10
